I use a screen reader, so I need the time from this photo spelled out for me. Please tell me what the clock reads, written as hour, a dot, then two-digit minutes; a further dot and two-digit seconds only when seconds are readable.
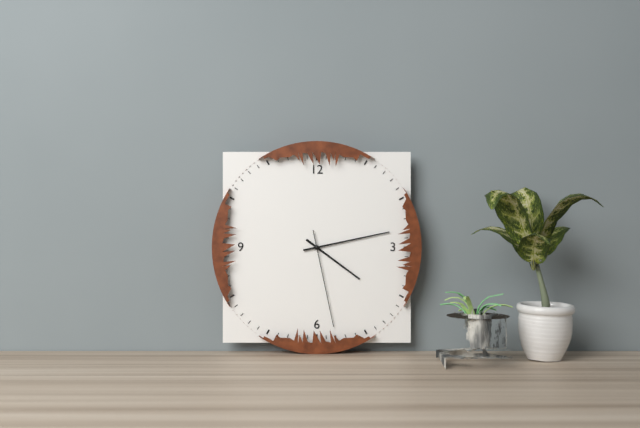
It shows 4.13.28
